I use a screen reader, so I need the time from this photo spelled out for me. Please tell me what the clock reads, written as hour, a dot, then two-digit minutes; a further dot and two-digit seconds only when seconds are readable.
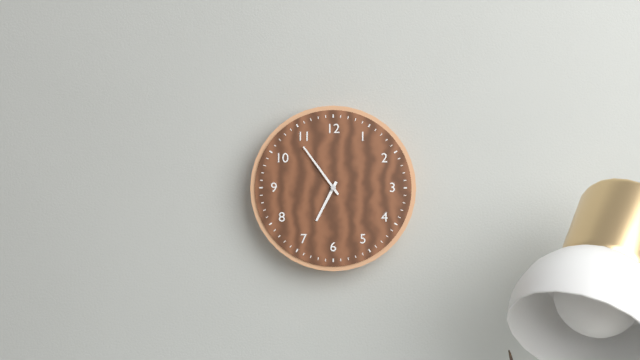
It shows 6.54
